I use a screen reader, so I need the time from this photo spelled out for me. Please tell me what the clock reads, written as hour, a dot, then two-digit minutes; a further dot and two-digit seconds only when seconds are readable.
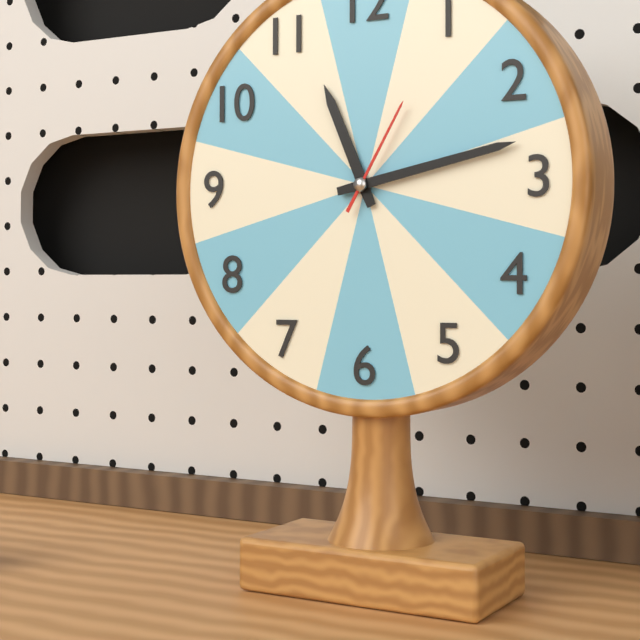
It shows 11.13.05
